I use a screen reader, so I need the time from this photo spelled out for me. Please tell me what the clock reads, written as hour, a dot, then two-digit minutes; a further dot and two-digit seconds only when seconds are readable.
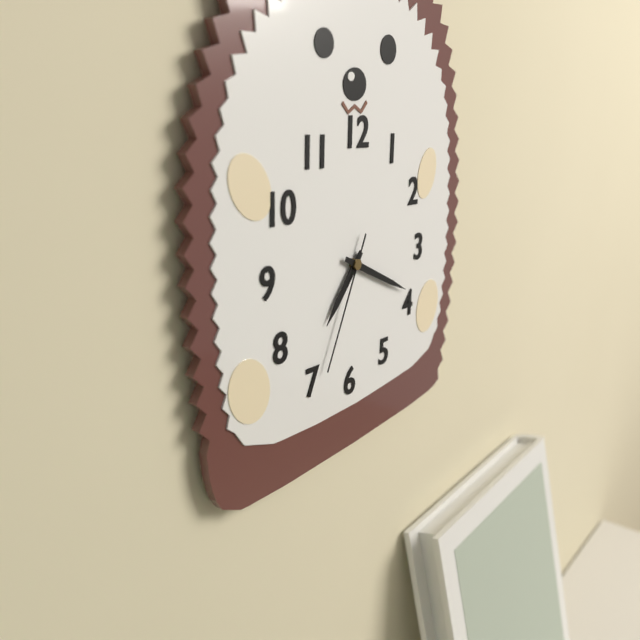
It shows 7.19.34
